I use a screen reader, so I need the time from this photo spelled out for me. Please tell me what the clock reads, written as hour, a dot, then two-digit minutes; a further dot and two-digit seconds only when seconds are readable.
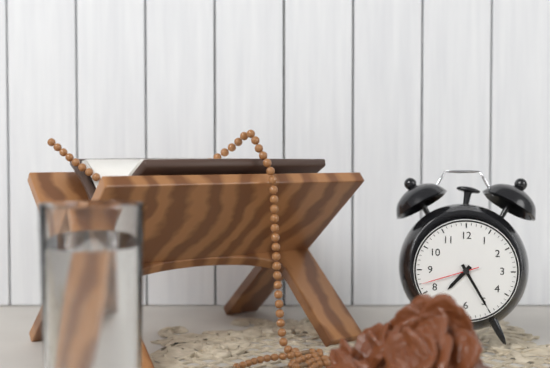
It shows 7.25.42
